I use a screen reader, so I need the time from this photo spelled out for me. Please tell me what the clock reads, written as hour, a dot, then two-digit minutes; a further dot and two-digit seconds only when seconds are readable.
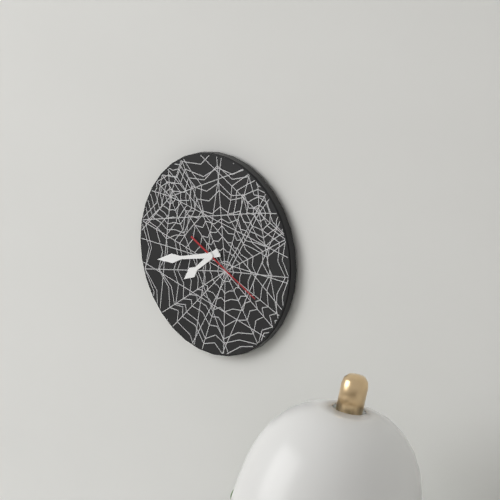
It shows 7.43.20
